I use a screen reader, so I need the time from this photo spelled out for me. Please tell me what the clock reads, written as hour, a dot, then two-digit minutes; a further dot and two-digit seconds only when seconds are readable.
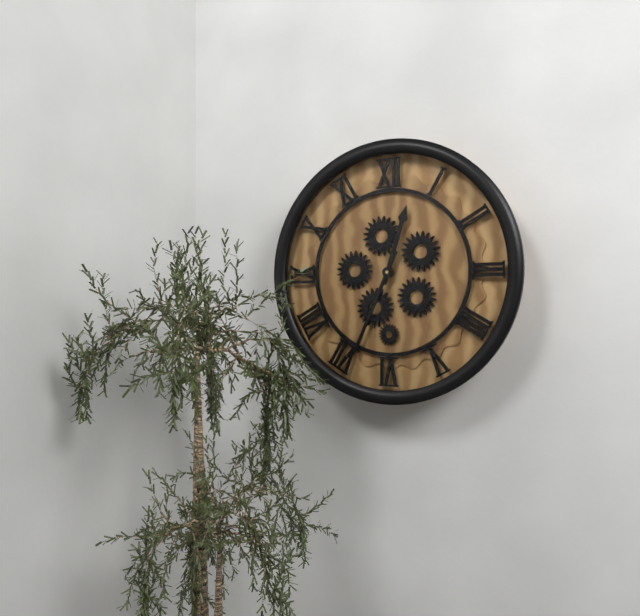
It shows 12.34
